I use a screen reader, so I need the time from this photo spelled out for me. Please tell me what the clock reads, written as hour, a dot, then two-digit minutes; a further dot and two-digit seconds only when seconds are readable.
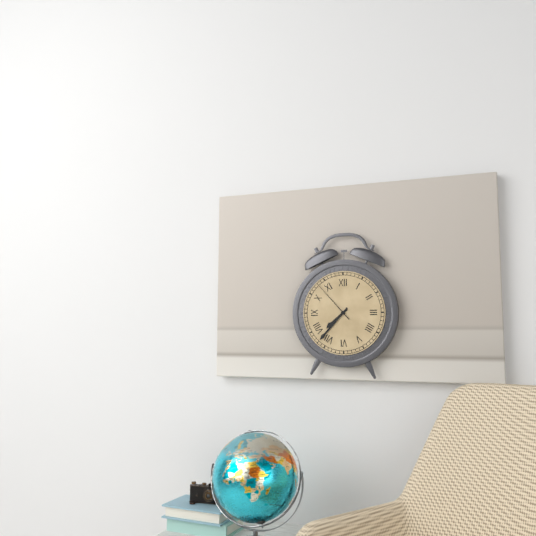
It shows 7.37
